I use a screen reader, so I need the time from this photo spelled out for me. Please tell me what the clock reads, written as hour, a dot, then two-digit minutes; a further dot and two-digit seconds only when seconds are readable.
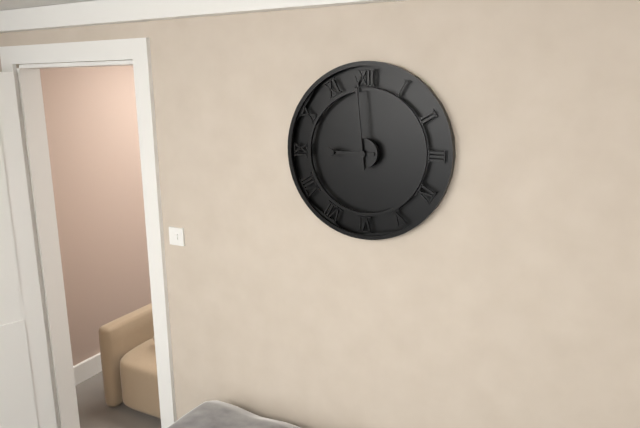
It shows 8.59
